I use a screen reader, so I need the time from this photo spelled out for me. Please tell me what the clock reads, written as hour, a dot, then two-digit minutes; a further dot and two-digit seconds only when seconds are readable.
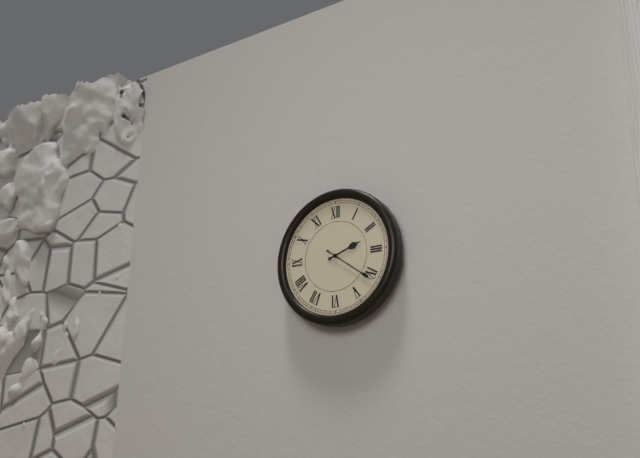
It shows 2.21
